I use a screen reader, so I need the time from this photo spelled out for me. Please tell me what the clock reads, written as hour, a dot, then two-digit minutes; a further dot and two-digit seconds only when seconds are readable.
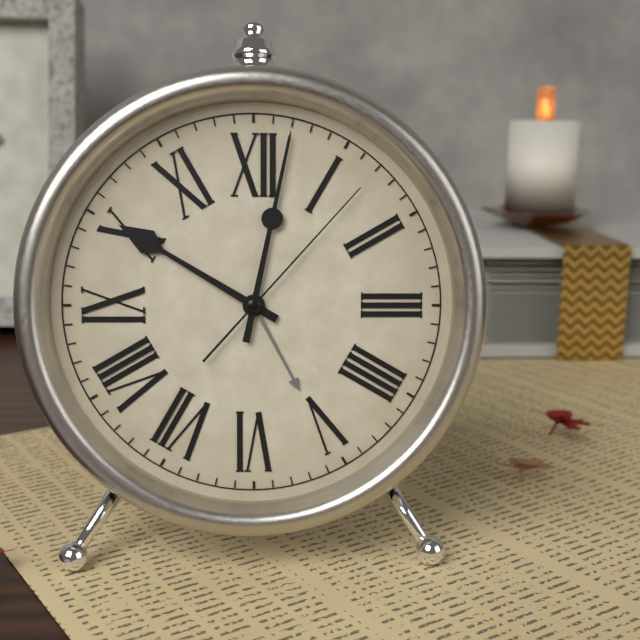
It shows 10.02.07
